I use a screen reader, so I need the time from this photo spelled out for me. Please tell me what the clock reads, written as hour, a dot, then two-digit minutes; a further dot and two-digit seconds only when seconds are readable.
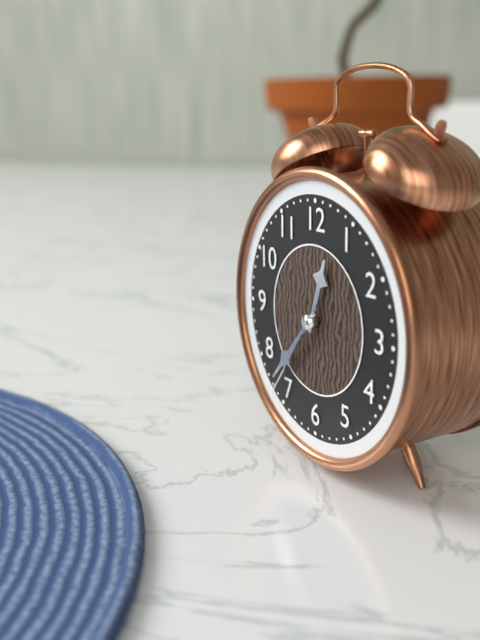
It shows 12.37.36
